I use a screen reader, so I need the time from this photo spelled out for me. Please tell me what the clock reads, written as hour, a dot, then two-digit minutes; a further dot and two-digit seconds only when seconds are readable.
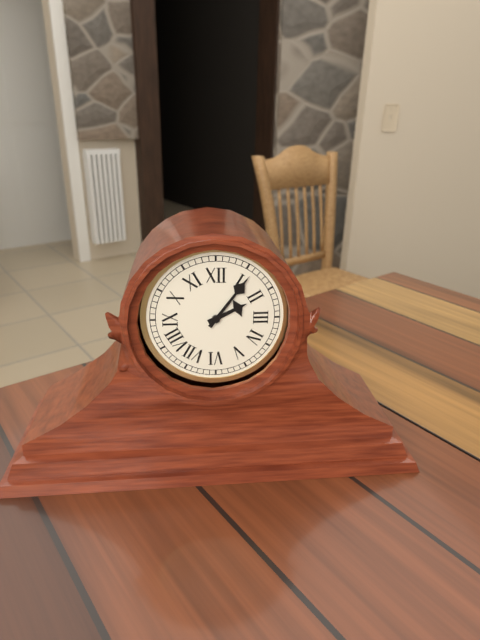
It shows 2.06
